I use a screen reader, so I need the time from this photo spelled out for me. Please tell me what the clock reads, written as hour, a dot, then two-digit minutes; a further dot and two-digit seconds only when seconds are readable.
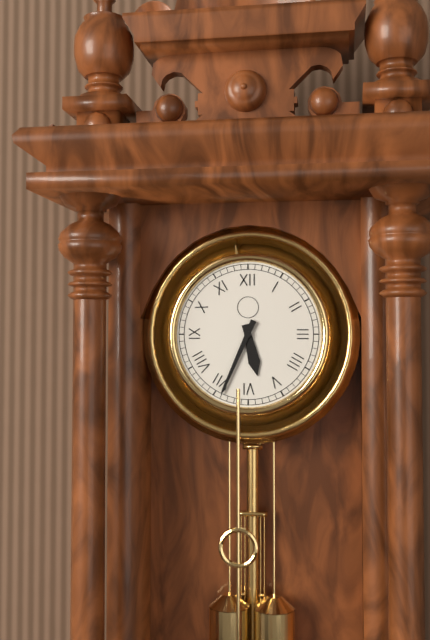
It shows 5.34
